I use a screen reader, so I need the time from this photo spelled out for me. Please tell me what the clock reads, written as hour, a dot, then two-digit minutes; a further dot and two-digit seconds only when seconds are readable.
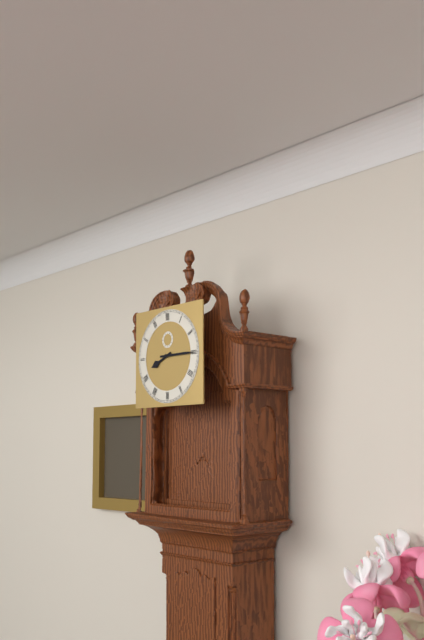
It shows 8.15
